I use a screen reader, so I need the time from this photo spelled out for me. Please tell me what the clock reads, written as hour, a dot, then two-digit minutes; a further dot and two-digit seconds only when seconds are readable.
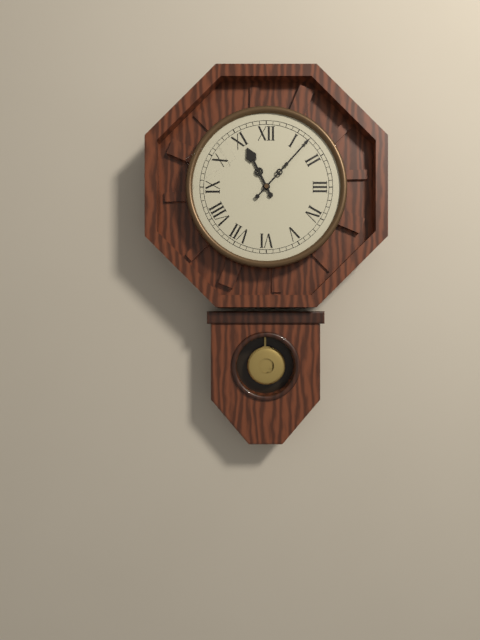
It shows 11.07
